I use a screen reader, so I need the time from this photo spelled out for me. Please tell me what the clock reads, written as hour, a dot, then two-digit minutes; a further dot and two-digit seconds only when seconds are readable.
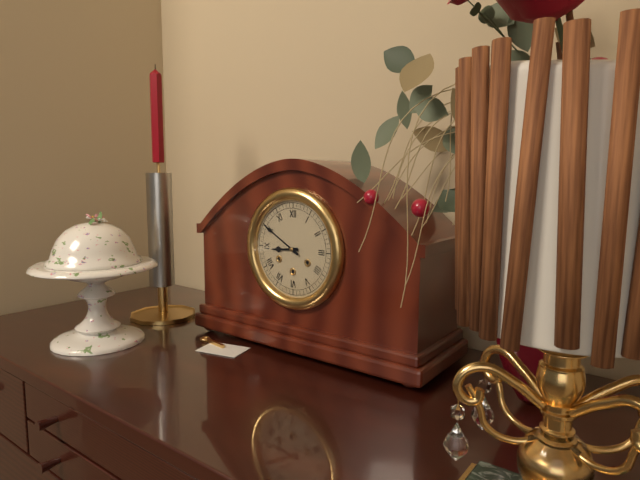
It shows 8.50
